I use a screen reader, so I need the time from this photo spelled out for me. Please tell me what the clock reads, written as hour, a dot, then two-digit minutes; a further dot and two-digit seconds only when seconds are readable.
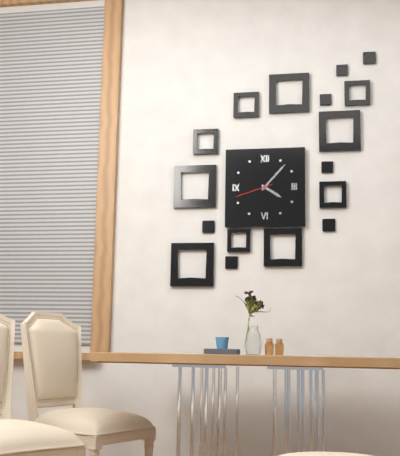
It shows 4.07
